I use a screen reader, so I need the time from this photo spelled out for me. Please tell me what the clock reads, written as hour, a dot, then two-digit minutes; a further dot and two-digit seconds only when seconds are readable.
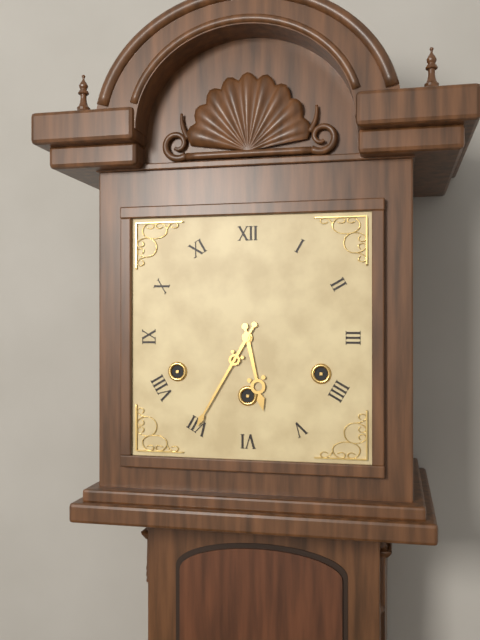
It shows 5.35
